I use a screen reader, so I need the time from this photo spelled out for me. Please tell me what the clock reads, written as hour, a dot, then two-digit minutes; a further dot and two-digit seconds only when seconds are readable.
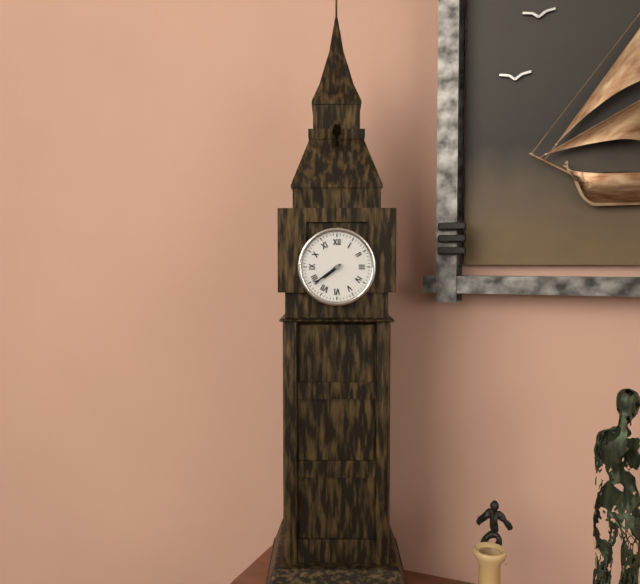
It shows 7.39
